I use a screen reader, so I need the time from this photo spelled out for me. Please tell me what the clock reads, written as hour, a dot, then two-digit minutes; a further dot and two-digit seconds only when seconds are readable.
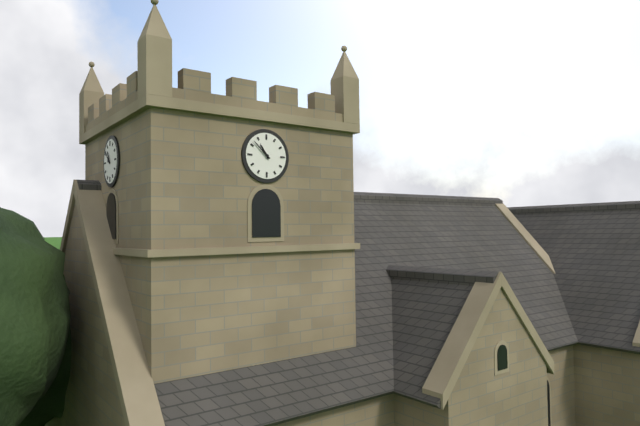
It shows 10.52
